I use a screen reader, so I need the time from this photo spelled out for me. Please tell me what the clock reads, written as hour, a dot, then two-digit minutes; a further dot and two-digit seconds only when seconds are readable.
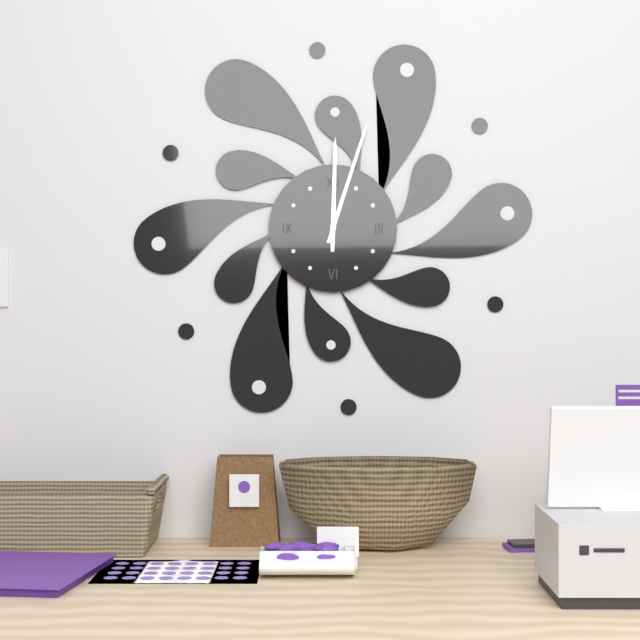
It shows 12.03
